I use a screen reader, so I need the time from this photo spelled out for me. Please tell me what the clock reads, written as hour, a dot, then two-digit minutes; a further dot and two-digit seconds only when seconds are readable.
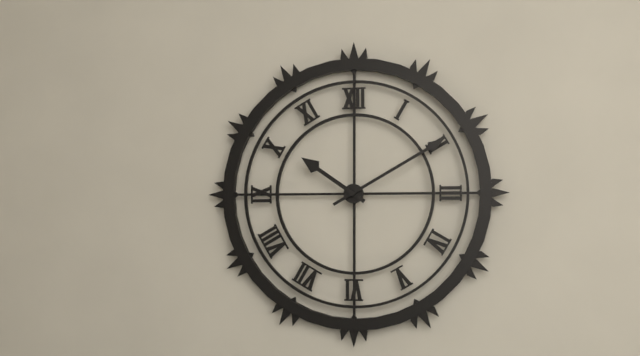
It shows 10.10
